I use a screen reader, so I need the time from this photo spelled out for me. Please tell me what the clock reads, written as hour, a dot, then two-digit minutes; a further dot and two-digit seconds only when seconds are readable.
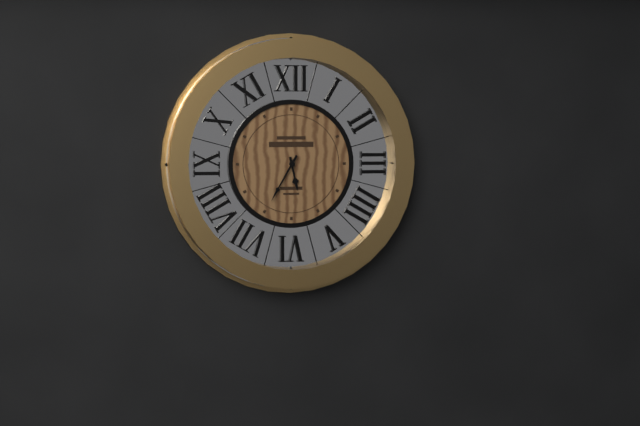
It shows 5.35
